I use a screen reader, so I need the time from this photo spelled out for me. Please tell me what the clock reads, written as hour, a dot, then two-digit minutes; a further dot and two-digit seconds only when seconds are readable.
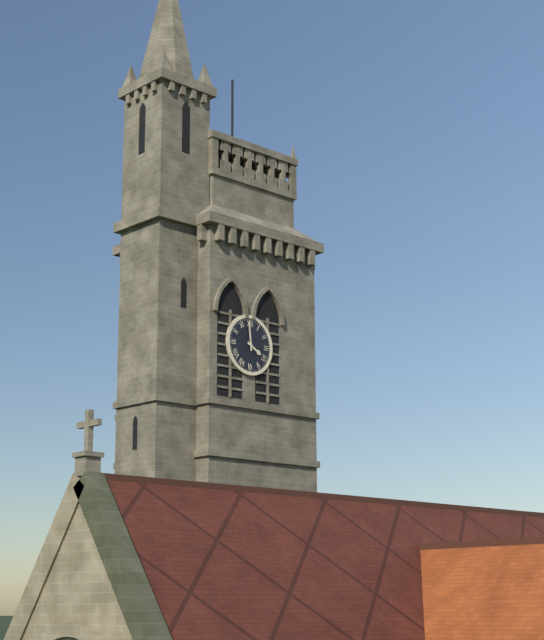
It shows 3.59
